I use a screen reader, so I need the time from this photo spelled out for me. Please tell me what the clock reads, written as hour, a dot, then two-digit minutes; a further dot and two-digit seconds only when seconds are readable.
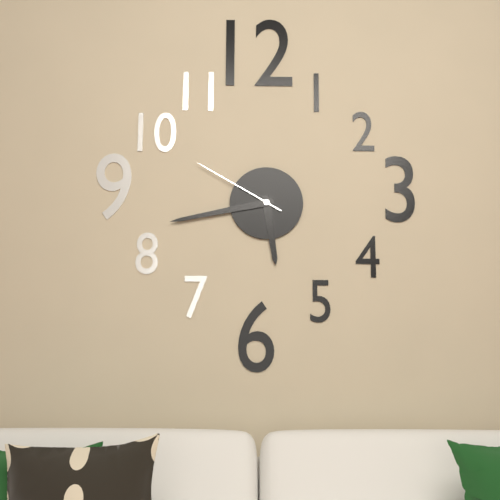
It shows 5.43.50
